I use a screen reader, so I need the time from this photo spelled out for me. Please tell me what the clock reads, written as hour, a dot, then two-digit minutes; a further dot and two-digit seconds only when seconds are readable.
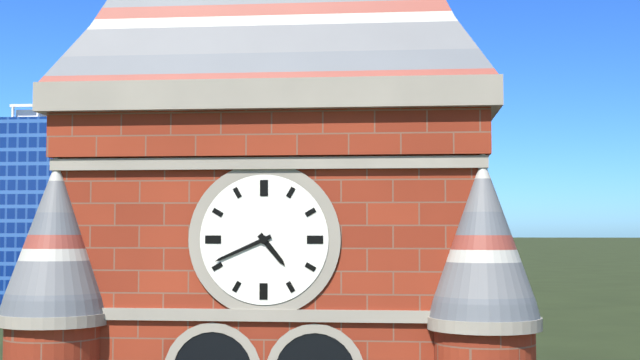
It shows 4.41
